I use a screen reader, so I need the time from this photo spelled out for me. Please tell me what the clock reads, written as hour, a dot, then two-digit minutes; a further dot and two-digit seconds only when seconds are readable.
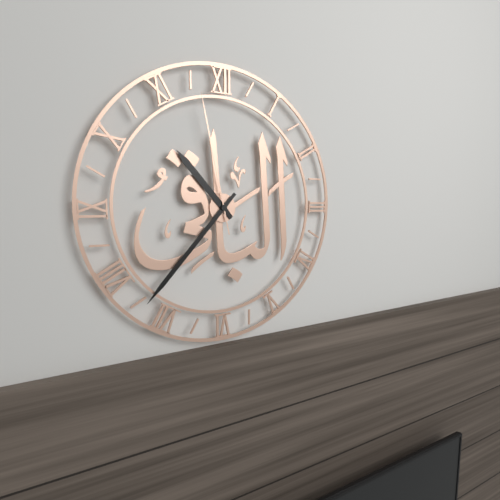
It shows 10.37.58
